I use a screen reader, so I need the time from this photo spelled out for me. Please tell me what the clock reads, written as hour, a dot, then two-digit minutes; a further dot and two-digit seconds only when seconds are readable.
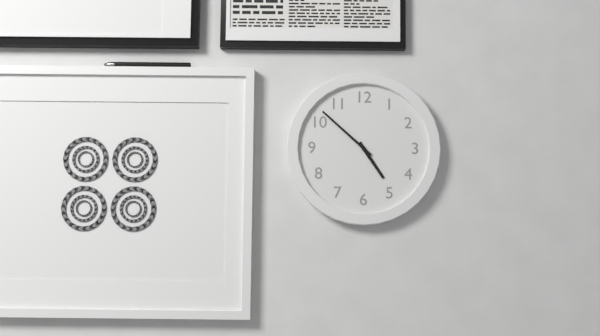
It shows 4.52
